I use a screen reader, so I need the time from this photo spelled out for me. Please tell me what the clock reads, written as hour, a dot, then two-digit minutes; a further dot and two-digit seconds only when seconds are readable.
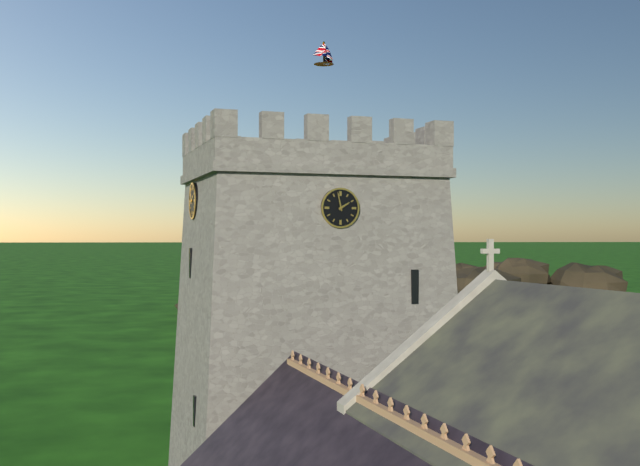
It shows 1.58
